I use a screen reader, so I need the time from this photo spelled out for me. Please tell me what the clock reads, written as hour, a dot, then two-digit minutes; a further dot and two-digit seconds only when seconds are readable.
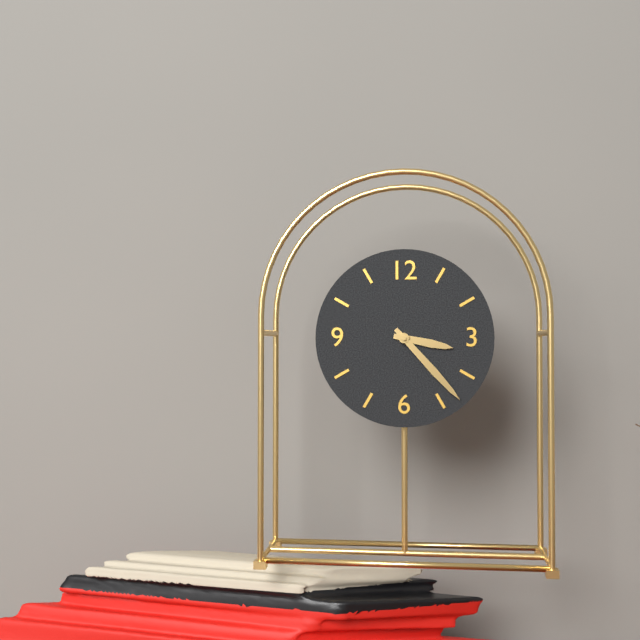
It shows 3.23
